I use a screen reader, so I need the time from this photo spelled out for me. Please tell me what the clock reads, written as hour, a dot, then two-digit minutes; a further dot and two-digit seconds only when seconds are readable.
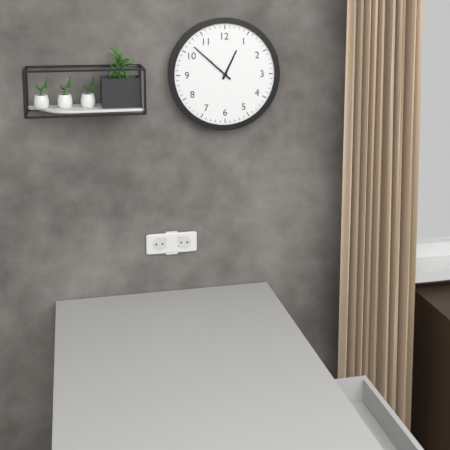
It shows 12.52
